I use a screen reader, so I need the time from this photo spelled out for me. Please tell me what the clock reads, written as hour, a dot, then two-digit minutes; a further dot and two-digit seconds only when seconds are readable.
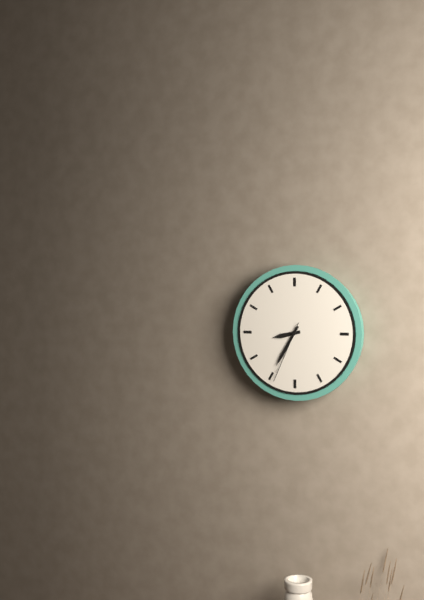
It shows 8.35.34
